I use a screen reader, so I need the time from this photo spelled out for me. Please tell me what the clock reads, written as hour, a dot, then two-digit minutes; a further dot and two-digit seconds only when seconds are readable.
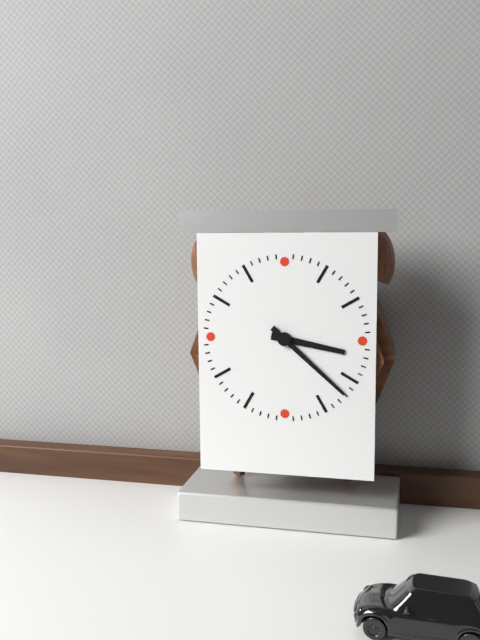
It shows 3.22
